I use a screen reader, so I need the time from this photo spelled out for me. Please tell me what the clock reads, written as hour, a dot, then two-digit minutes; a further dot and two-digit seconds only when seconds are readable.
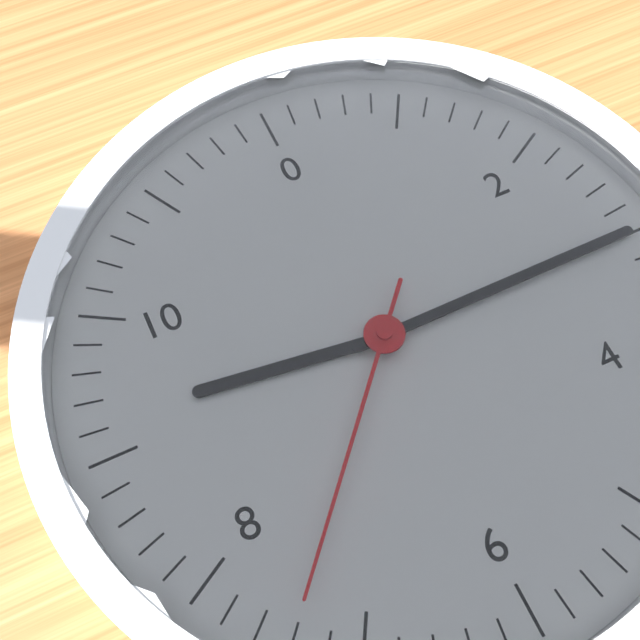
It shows 9.15.37
